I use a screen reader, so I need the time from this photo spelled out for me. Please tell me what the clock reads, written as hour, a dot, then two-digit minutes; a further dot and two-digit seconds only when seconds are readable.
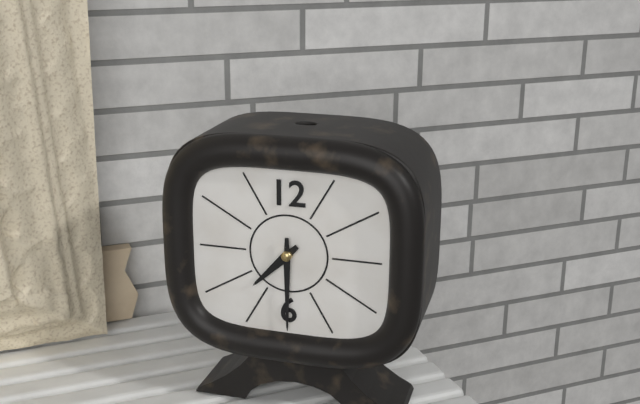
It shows 7.30
